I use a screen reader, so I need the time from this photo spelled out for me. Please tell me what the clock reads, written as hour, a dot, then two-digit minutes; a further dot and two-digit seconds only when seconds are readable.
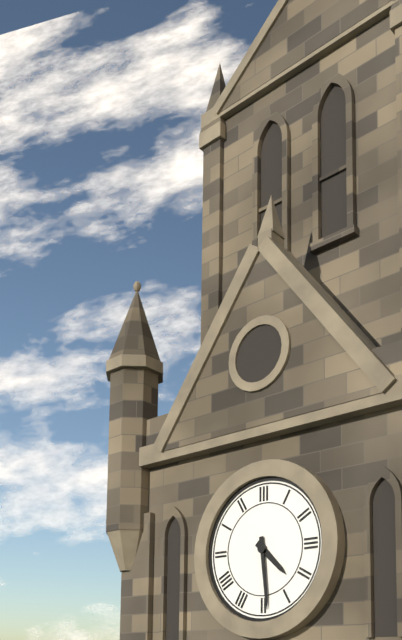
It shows 4.29
